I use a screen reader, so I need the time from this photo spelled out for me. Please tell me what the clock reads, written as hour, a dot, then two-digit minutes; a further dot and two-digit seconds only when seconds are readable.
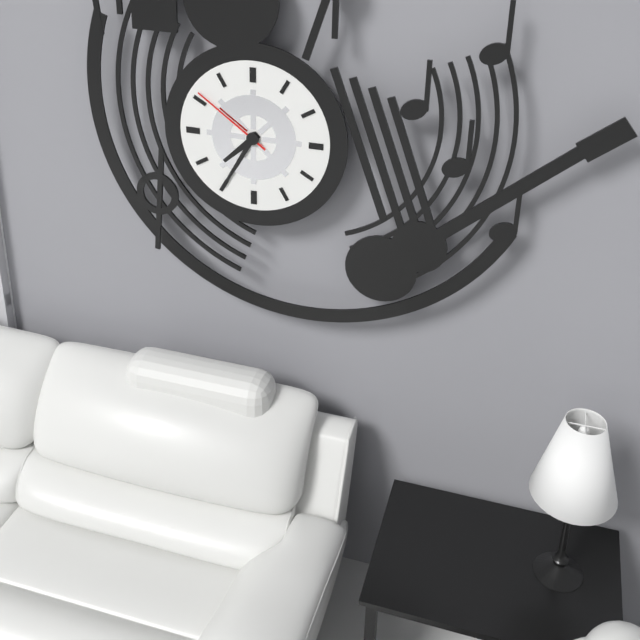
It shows 7.35.51
